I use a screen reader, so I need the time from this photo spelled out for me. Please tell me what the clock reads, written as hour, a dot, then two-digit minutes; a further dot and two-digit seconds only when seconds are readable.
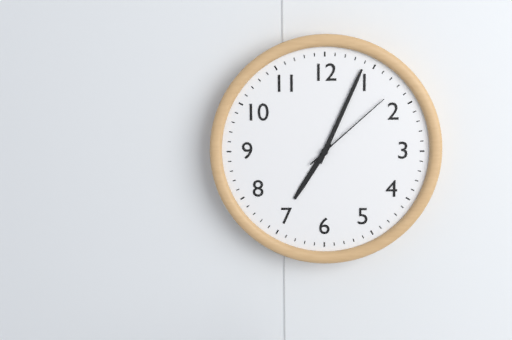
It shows 7.04.08
